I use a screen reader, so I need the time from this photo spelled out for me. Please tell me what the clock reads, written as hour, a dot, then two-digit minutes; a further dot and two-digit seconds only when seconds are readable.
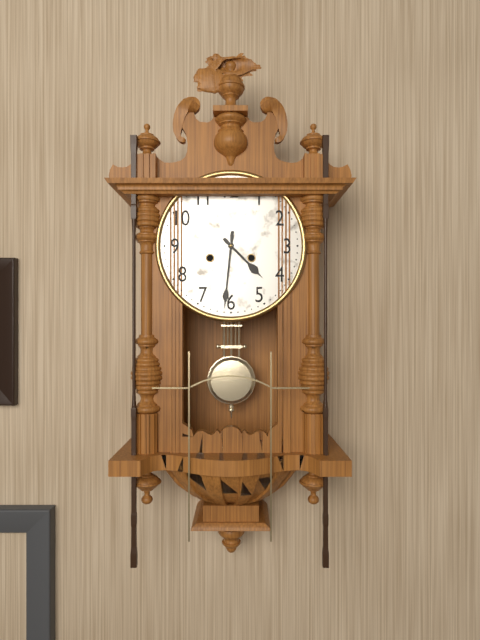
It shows 4.31
